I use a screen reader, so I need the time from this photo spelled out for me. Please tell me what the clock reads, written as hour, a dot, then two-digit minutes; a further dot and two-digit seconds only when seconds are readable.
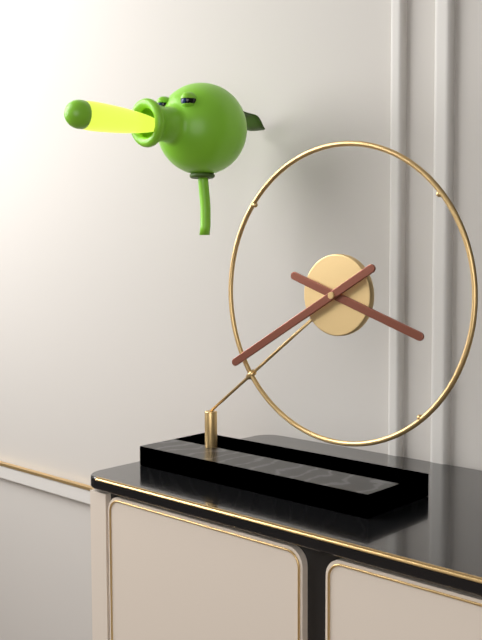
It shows 3.40
